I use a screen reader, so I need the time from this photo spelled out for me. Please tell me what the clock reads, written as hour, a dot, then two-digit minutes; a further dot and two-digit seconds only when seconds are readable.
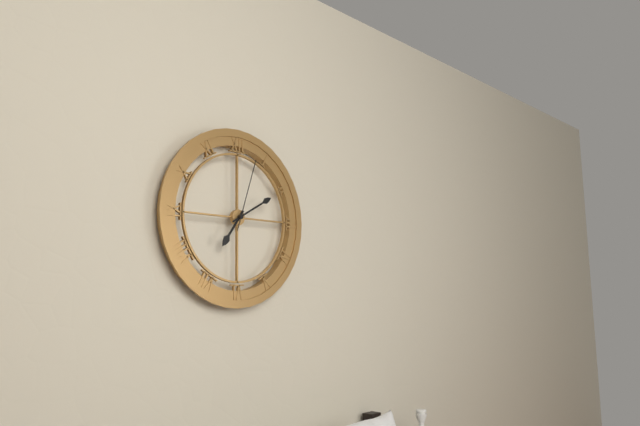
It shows 7.10.03
